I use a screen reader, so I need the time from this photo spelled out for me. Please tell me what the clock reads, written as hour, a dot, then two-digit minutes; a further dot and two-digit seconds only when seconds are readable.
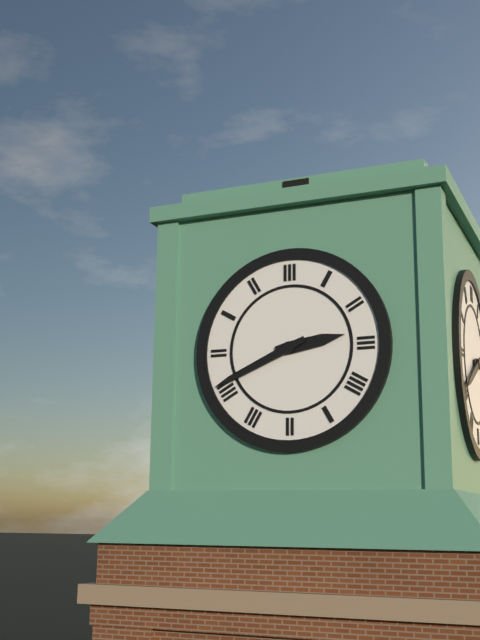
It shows 2.41
